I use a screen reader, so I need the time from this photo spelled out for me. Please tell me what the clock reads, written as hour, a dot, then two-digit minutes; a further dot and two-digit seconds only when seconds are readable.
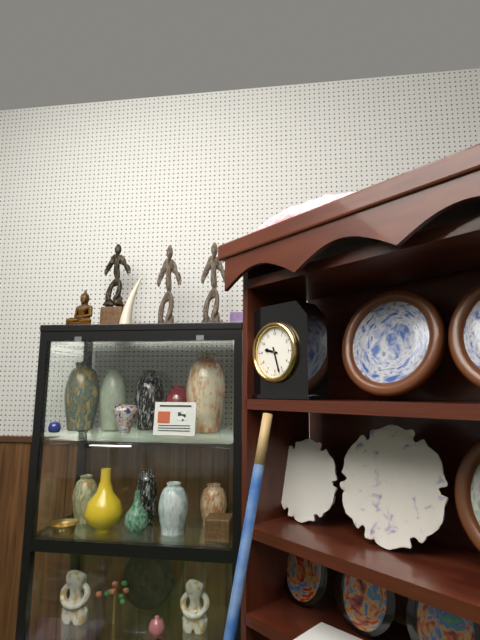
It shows 9.27
